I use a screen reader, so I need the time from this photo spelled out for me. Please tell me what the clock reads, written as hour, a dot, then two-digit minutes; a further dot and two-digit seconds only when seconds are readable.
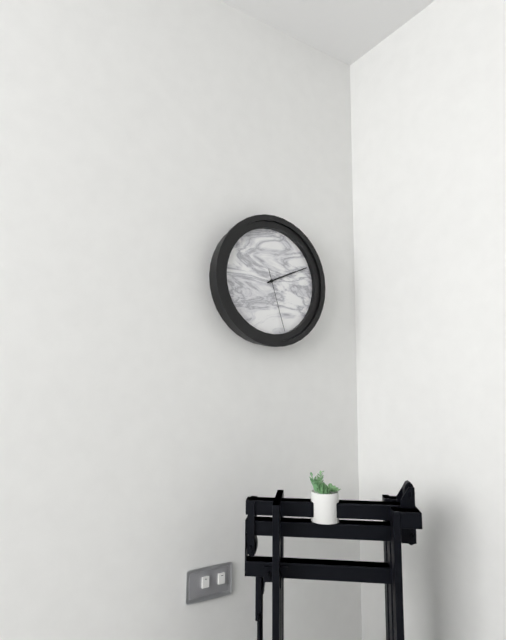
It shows 2.11.27
